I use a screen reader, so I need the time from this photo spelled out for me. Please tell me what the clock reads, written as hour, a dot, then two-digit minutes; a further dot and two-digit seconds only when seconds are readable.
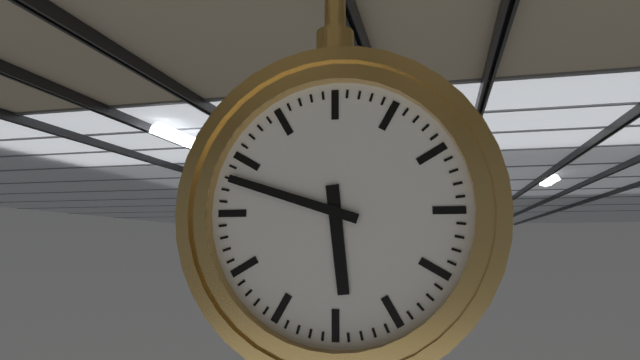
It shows 5.48
